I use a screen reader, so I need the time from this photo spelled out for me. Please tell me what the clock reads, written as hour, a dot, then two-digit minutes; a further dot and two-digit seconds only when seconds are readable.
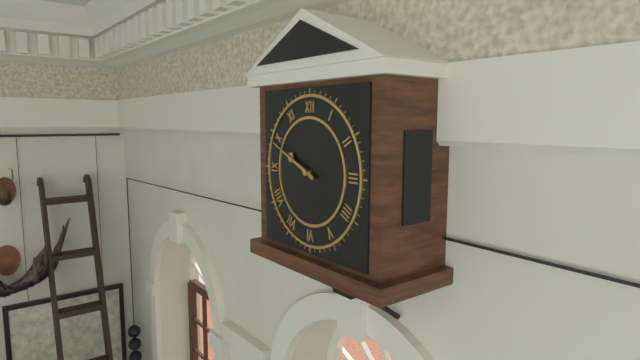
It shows 9.49
